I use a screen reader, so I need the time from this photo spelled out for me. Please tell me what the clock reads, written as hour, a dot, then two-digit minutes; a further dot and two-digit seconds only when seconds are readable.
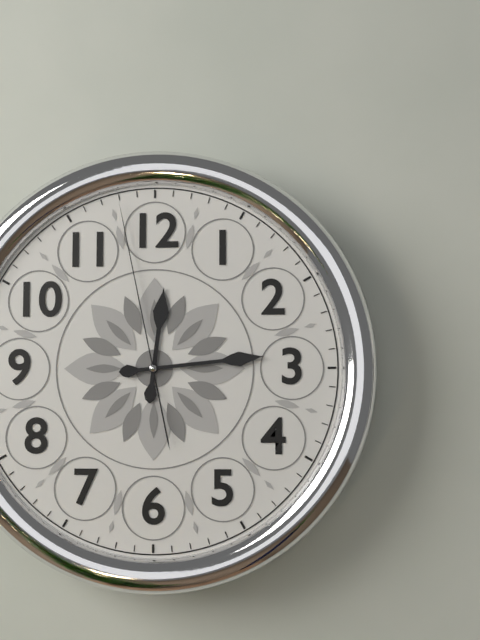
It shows 12.14.58
